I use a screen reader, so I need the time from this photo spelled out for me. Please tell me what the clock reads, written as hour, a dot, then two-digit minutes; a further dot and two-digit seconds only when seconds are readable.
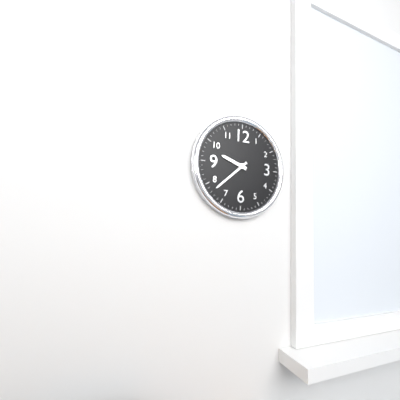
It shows 9.38
